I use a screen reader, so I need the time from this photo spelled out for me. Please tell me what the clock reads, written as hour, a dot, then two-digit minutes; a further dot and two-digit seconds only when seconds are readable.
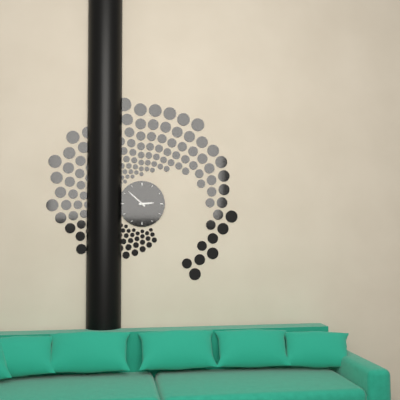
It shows 2.52
